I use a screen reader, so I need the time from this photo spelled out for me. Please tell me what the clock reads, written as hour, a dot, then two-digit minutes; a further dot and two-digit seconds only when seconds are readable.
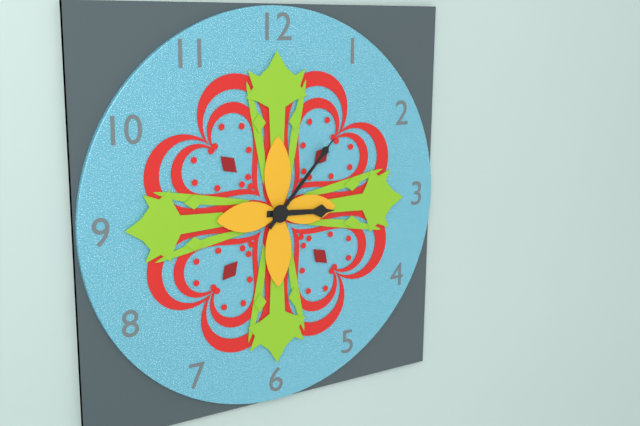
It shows 3.07
